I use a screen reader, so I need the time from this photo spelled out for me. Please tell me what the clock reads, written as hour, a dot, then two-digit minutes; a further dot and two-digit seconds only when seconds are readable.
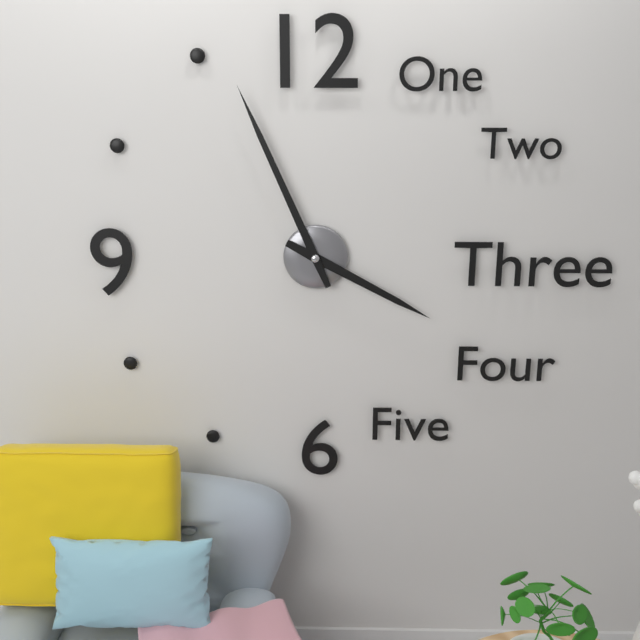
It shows 3.56
